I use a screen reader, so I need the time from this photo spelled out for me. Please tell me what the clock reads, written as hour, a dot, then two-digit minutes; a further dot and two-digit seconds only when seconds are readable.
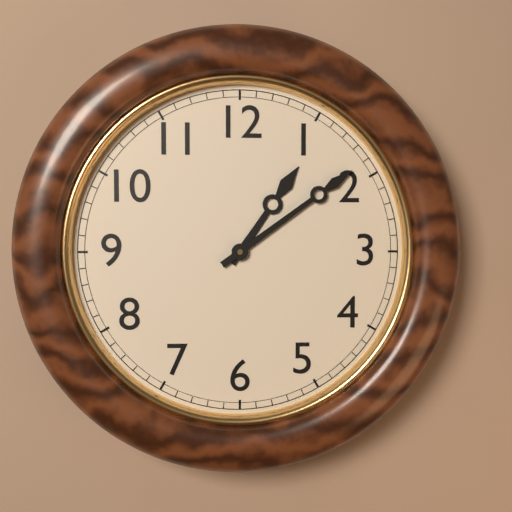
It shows 1.09
